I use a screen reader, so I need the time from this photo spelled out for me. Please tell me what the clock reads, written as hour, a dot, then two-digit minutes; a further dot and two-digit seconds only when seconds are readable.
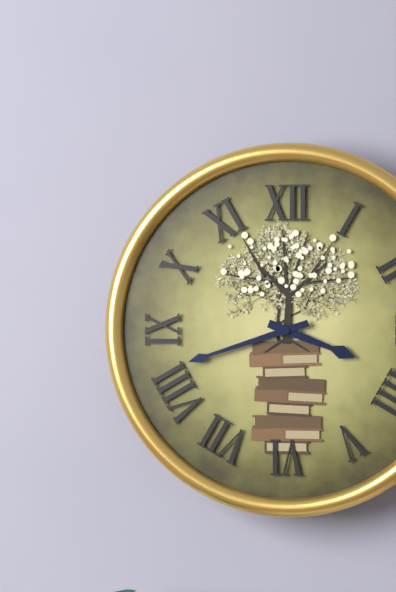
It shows 3.42
